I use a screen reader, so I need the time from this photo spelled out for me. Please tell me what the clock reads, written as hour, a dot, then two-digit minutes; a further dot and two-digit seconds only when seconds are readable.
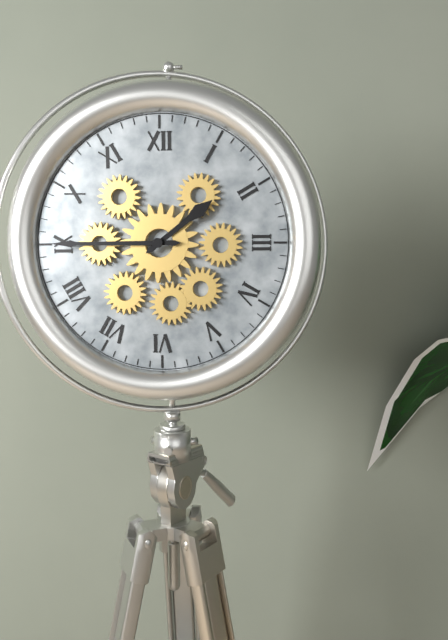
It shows 1.45
